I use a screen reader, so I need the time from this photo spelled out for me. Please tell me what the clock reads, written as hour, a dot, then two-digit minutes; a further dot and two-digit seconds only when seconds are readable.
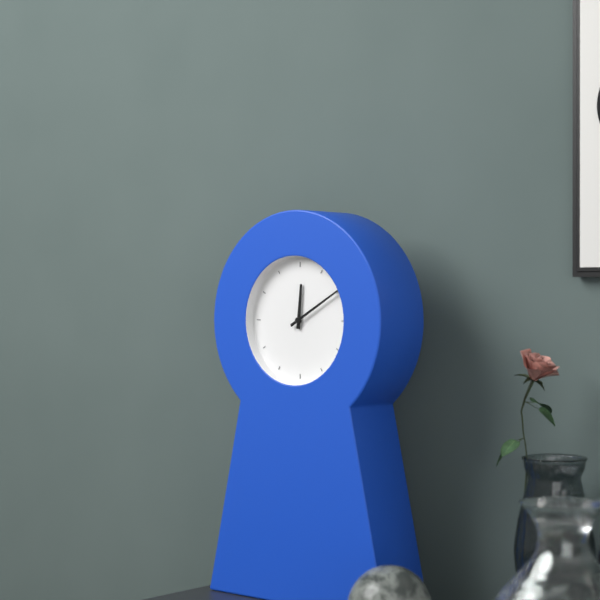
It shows 12.10
